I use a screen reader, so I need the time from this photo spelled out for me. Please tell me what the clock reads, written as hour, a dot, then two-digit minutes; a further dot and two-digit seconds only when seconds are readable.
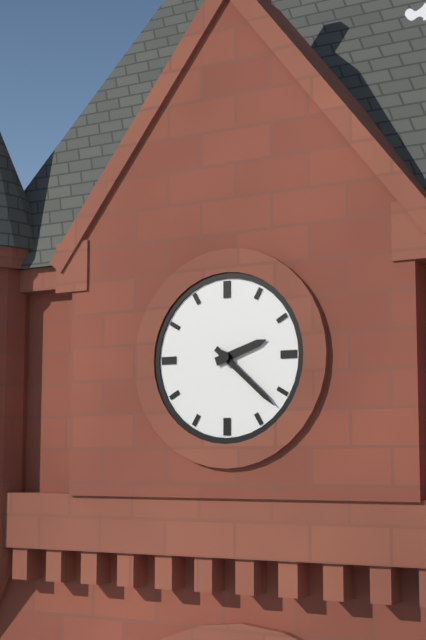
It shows 2.22
